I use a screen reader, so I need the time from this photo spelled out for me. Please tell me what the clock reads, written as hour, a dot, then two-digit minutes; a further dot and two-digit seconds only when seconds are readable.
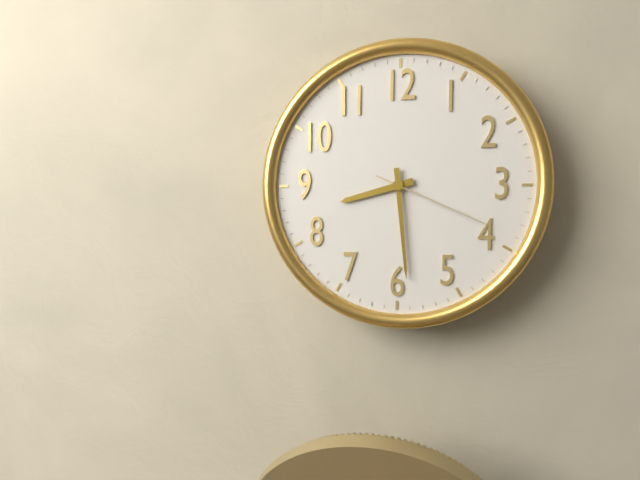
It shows 8.29.19
